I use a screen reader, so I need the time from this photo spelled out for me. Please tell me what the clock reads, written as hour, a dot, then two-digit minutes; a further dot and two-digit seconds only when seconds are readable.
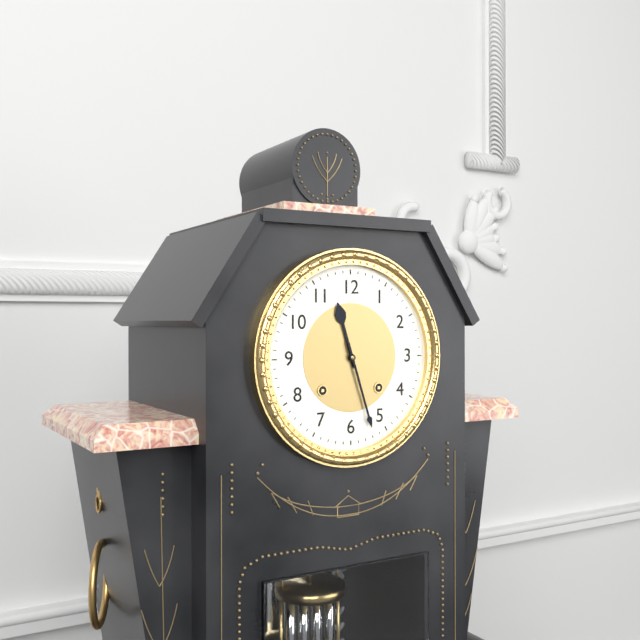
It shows 11.27
